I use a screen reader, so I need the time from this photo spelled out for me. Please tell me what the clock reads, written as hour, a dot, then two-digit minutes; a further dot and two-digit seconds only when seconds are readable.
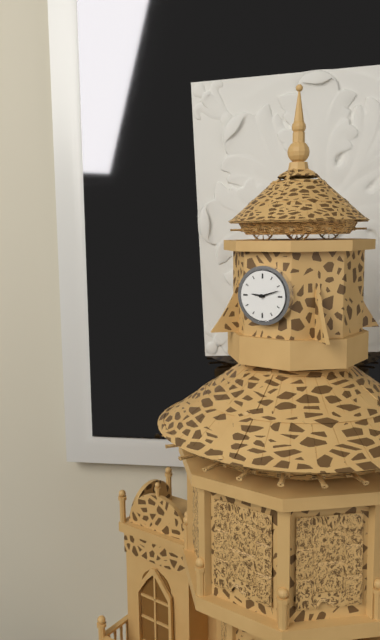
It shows 9.12
